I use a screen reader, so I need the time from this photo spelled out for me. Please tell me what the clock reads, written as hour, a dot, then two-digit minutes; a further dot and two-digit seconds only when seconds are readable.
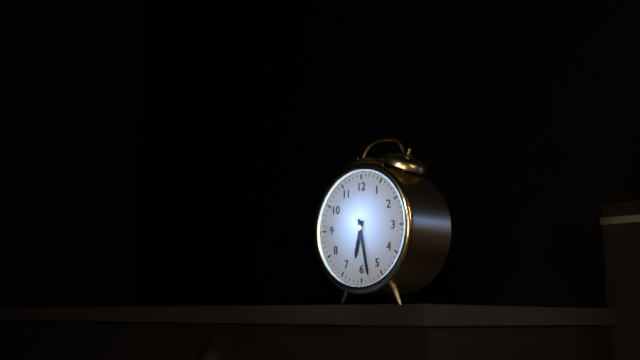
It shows 6.28
